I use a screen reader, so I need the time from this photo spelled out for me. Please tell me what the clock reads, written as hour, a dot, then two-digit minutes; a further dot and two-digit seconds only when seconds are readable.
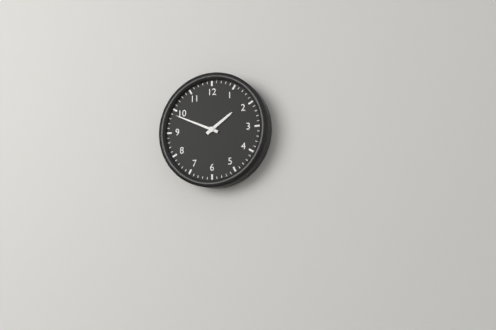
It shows 1.49
